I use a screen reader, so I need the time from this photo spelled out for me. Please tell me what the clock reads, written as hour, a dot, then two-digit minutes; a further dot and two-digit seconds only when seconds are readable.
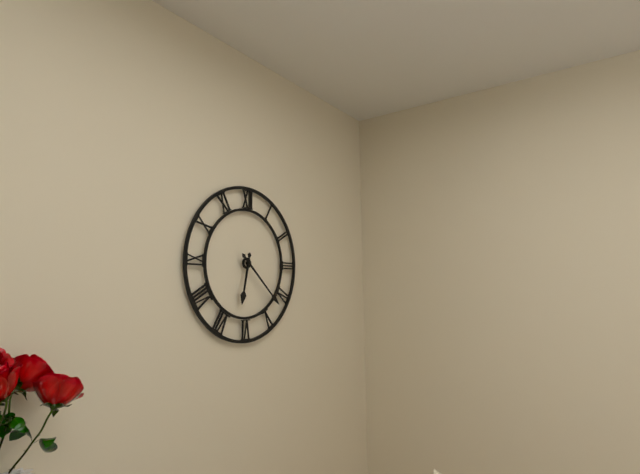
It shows 6.22
